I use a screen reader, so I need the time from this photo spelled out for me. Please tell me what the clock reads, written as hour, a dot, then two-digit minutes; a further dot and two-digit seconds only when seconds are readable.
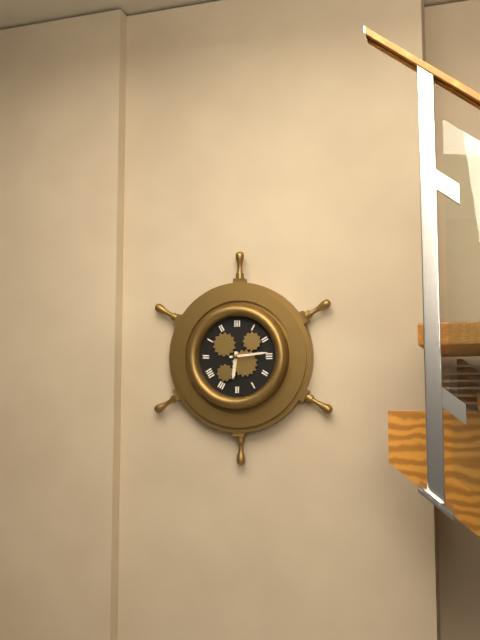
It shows 6.14
